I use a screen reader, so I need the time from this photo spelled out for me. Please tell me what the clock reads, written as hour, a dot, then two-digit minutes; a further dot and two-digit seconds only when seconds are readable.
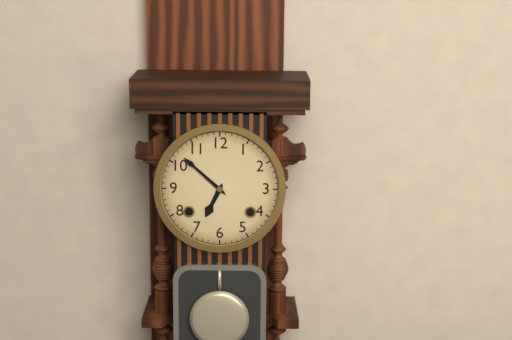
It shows 6.52
